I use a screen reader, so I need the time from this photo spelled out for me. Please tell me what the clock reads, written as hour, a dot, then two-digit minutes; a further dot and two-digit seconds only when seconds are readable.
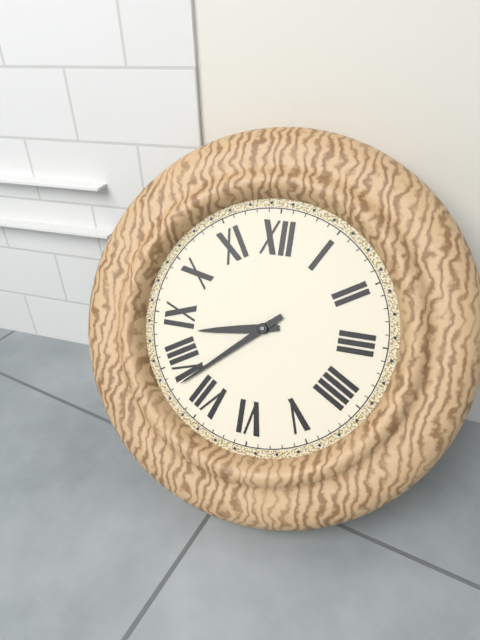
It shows 8.38
